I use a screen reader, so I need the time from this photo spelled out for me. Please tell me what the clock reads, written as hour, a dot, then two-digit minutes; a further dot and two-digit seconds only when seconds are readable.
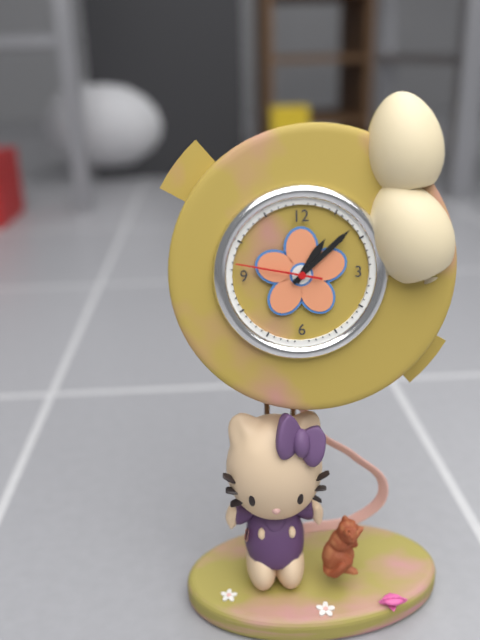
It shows 1.08.47
